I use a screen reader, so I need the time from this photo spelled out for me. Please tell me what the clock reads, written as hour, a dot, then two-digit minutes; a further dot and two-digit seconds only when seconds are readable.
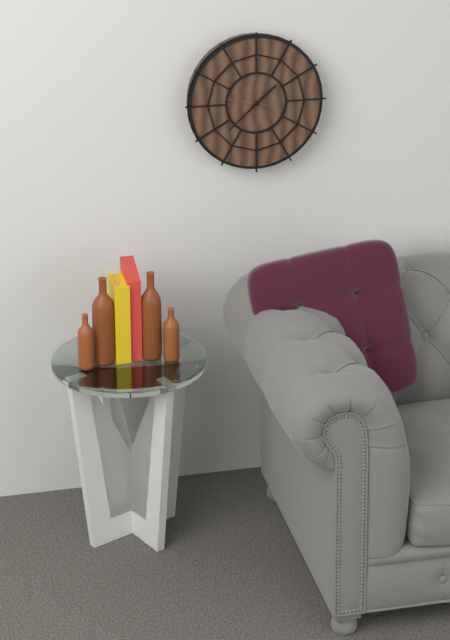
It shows 1.38.47
